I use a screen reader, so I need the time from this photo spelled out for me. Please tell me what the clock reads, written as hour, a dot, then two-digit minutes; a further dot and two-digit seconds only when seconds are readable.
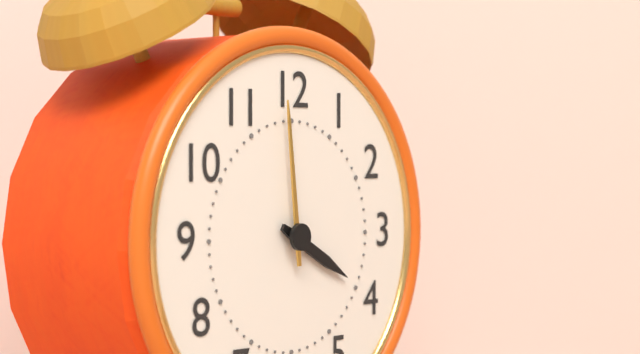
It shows 3.59
